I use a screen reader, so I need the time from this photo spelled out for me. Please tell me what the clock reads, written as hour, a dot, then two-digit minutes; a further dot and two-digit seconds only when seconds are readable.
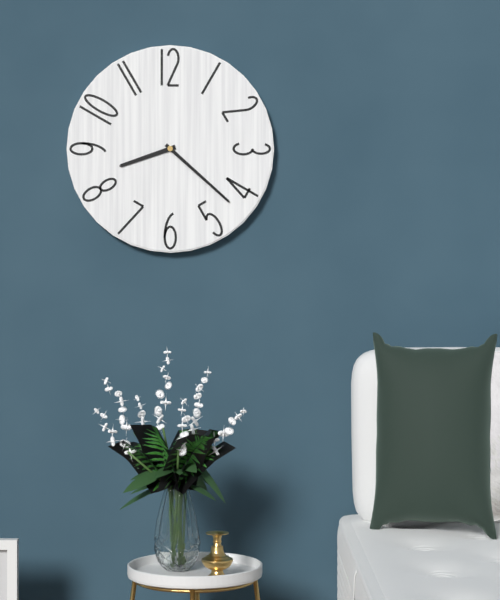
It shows 8.22
